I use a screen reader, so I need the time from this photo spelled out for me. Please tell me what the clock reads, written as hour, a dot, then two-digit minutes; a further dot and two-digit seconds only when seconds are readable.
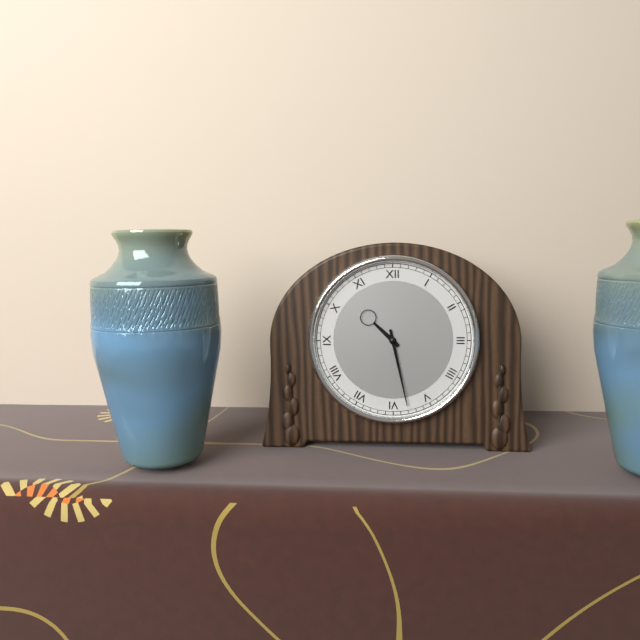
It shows 10.28
